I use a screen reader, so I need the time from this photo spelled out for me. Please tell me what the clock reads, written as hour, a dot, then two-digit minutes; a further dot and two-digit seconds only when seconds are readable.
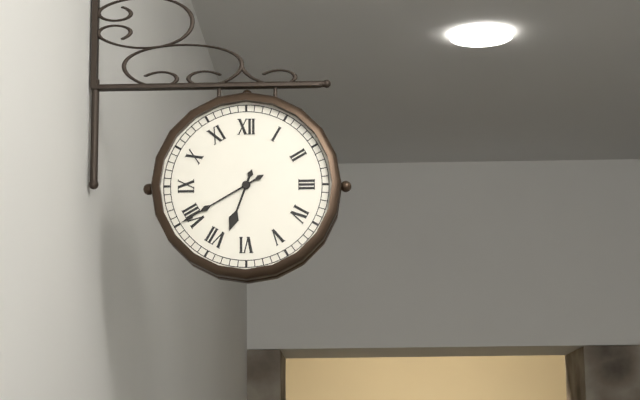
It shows 6.40
